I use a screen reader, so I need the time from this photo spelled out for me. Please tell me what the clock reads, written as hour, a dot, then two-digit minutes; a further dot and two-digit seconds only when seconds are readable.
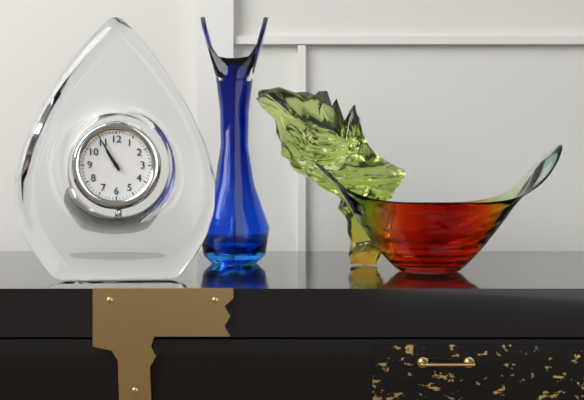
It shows 10.55
